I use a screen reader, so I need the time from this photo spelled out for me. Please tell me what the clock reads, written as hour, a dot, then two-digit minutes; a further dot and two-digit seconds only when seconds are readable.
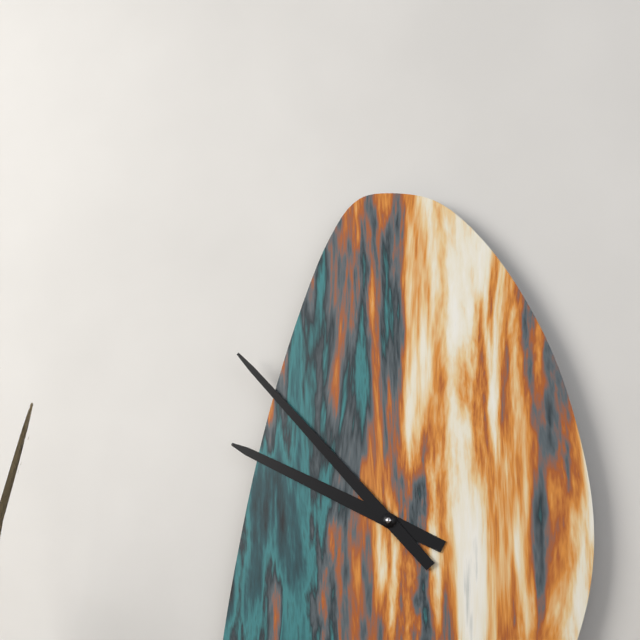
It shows 9.53
